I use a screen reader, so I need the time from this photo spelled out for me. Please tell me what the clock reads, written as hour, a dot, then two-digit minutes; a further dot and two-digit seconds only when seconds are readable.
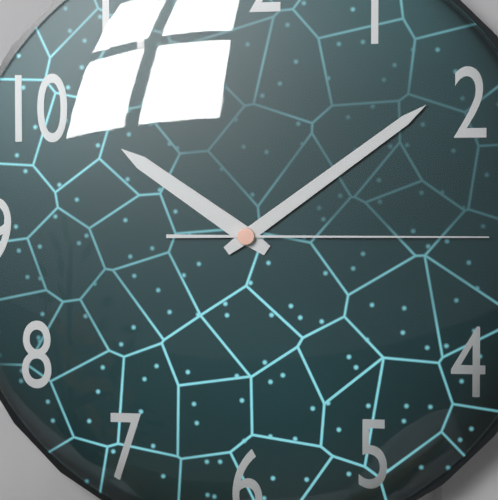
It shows 10.09.15
